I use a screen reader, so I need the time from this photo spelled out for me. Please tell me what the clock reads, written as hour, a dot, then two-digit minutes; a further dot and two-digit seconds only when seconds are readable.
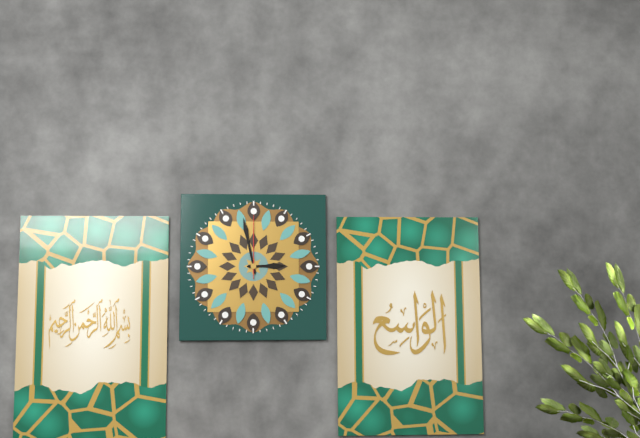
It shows 2.58.00
